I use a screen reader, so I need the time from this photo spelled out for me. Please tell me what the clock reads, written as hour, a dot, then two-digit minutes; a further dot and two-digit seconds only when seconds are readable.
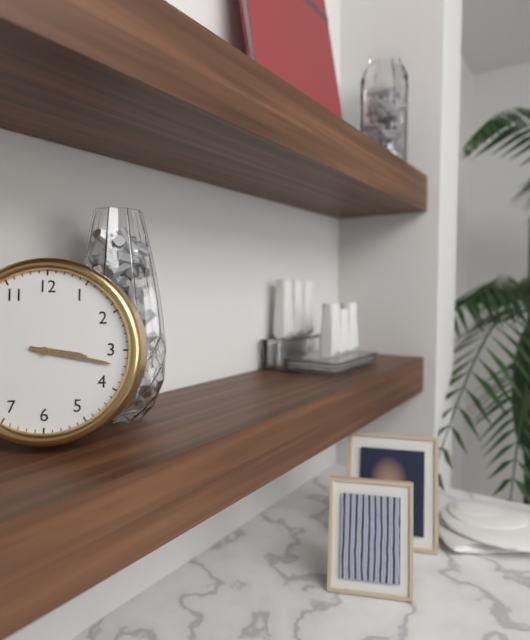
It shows 3.17
